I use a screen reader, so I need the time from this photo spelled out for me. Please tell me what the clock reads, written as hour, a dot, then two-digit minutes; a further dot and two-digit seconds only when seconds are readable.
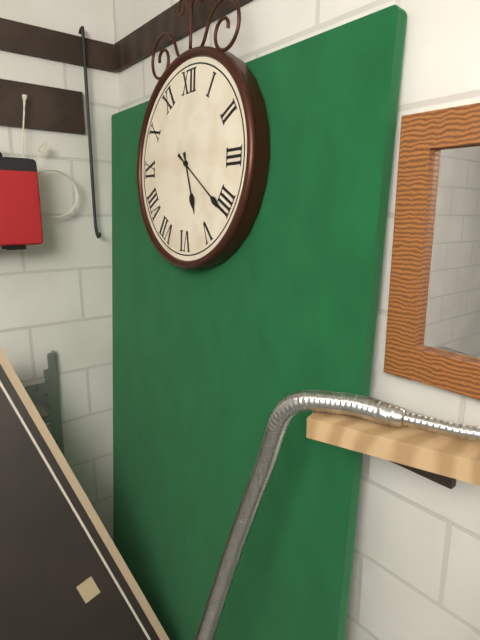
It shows 5.21
